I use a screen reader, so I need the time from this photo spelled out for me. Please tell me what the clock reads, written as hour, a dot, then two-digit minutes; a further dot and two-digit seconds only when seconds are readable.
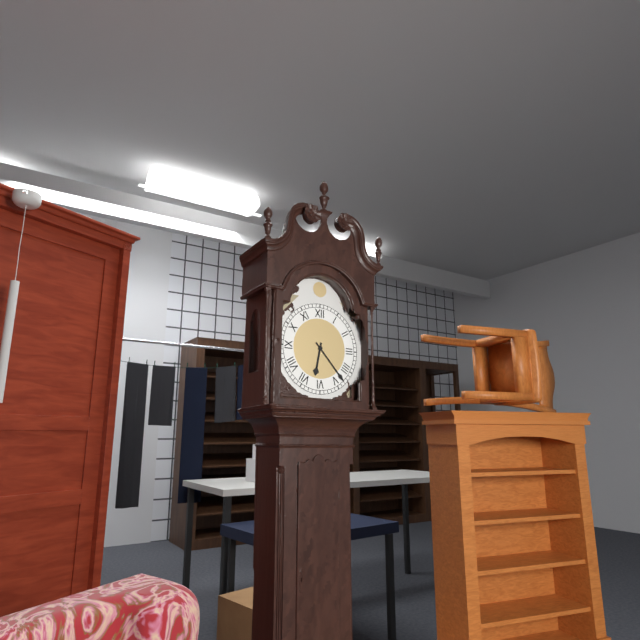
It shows 6.23
